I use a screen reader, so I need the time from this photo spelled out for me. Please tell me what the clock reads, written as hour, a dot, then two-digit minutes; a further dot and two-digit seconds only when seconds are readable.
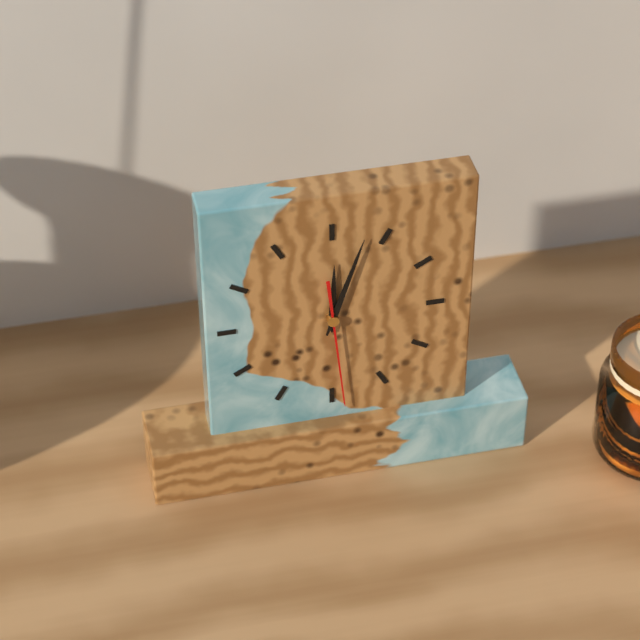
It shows 12.03.29
